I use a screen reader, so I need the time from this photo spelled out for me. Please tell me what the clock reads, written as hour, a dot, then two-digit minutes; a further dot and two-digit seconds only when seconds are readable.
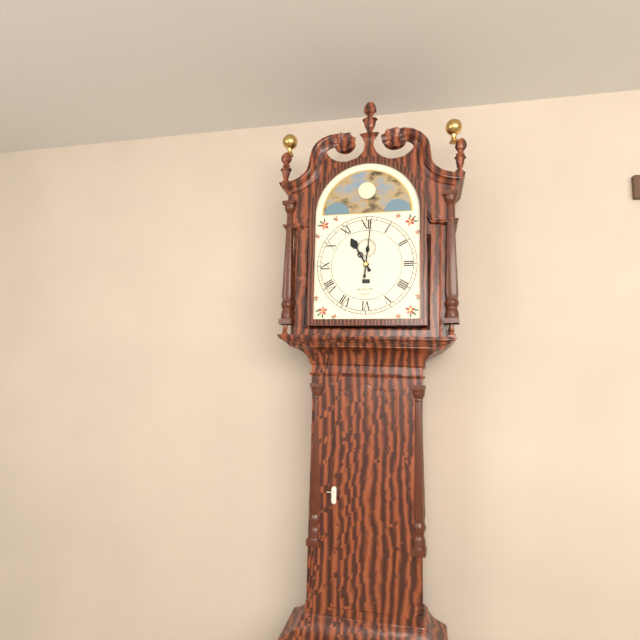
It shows 11.01
